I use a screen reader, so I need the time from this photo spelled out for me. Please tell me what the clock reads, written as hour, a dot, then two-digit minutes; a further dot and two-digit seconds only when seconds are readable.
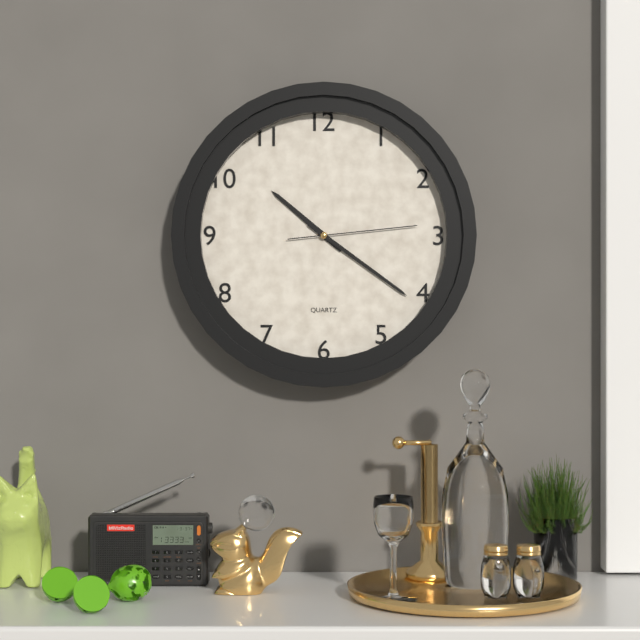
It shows 10.21.14
